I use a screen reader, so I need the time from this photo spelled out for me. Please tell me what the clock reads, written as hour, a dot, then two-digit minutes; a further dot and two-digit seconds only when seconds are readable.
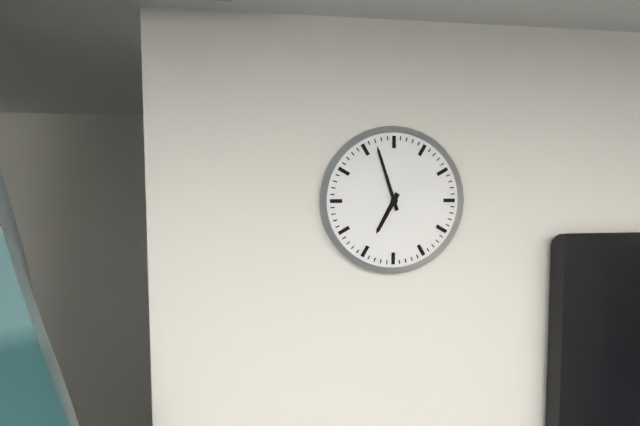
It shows 6.57
